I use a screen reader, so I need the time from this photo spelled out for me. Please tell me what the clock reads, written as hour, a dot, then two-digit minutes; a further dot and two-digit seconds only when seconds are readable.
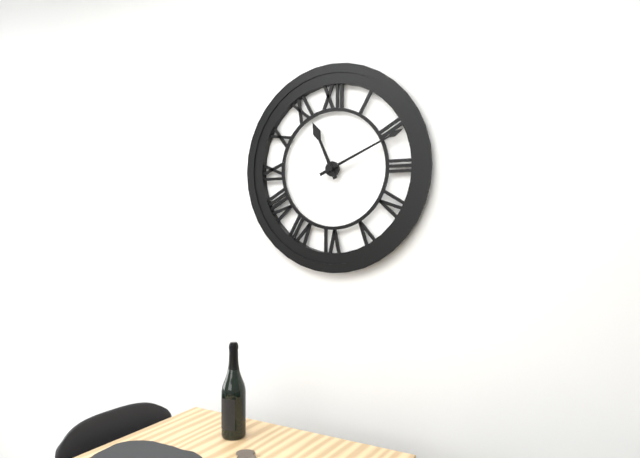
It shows 11.11
